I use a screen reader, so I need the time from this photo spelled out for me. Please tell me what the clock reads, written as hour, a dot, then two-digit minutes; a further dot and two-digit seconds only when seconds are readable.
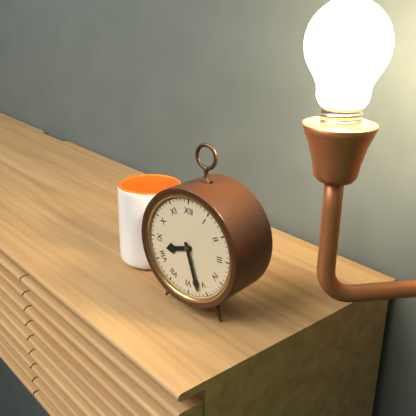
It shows 8.27
